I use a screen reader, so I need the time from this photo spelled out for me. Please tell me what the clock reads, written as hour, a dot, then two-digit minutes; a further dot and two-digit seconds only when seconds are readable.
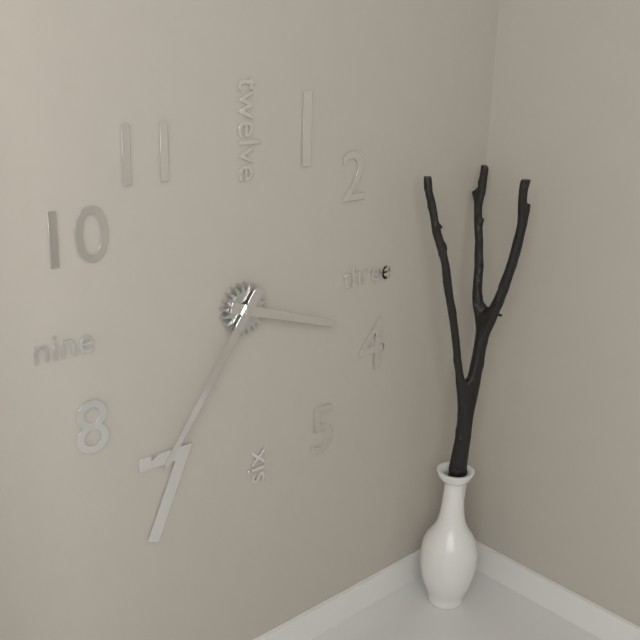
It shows 3.36
